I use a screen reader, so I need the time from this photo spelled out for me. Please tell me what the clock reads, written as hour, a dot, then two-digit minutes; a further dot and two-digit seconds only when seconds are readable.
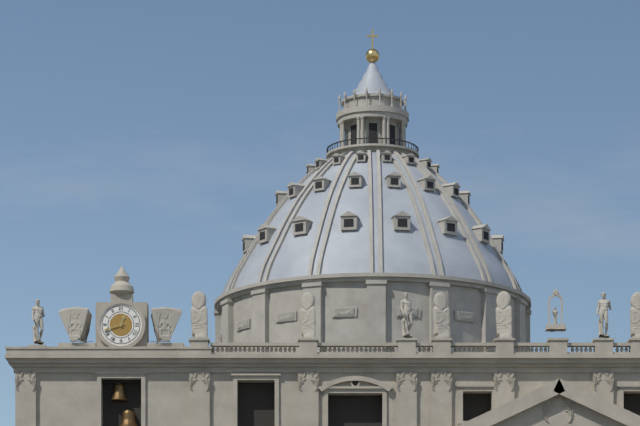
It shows 12.42
